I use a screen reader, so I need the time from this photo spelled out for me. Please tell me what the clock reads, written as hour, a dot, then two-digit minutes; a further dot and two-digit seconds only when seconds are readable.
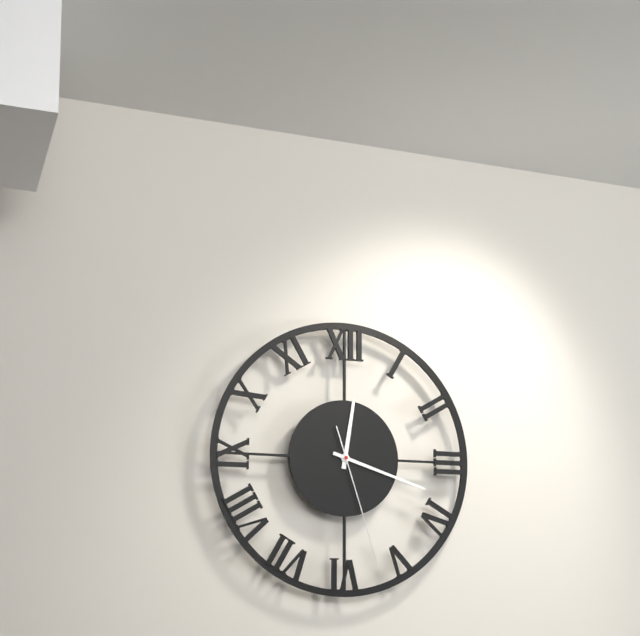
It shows 12.18.27
